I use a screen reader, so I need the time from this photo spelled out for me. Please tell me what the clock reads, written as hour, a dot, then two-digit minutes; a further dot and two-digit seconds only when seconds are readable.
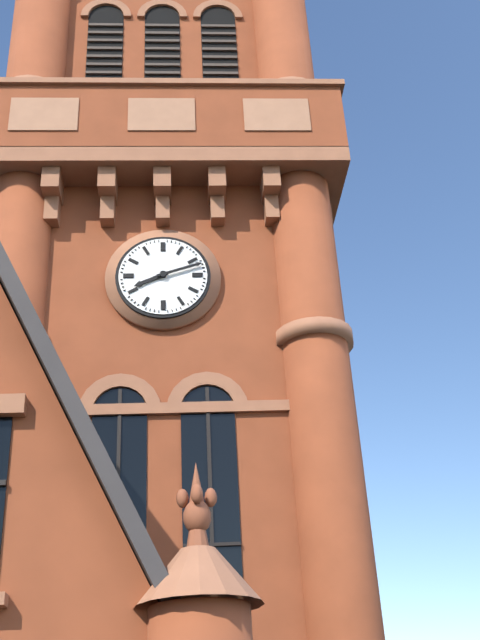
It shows 8.12
